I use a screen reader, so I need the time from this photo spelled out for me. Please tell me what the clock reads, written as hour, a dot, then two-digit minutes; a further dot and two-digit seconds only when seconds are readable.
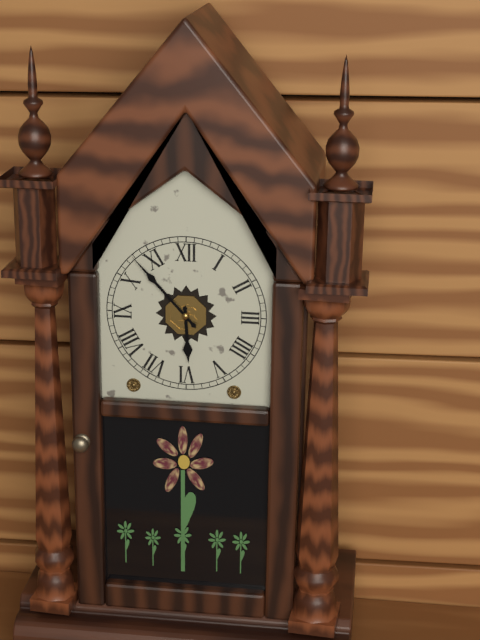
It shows 5.53
